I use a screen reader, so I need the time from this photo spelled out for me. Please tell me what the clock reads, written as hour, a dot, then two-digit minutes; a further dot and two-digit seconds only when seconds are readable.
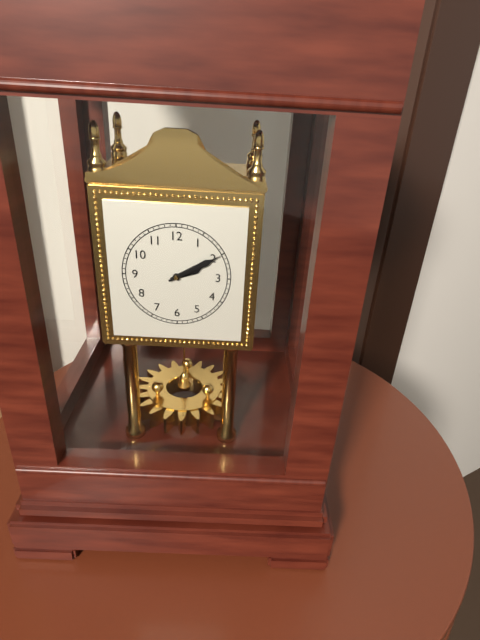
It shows 2.10
